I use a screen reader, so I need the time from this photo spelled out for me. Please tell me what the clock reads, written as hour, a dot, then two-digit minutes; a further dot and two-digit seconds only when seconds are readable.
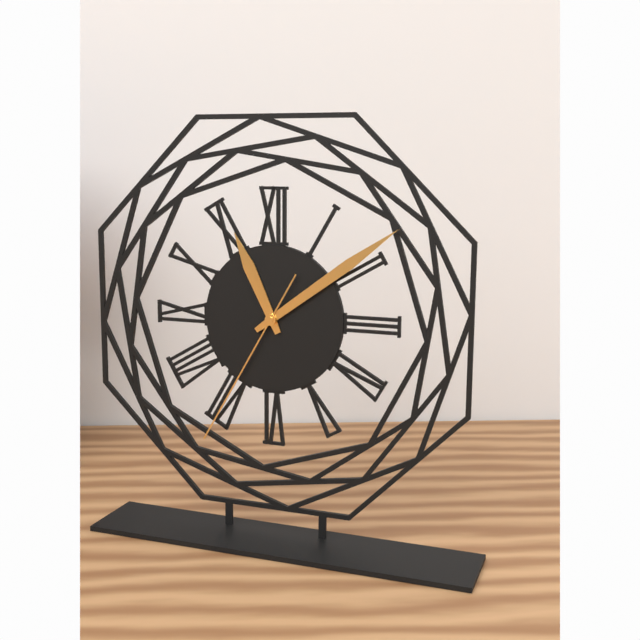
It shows 11.09.35
